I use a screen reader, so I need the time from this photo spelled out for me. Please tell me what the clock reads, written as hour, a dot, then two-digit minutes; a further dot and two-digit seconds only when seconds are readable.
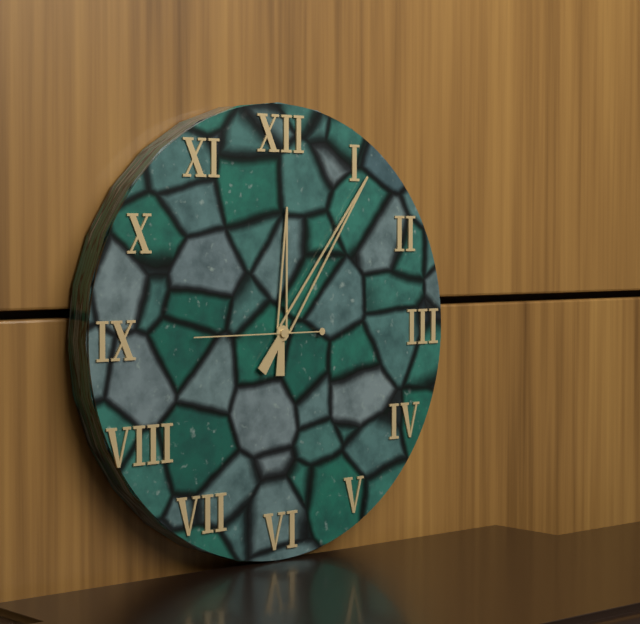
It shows 12.06.45
